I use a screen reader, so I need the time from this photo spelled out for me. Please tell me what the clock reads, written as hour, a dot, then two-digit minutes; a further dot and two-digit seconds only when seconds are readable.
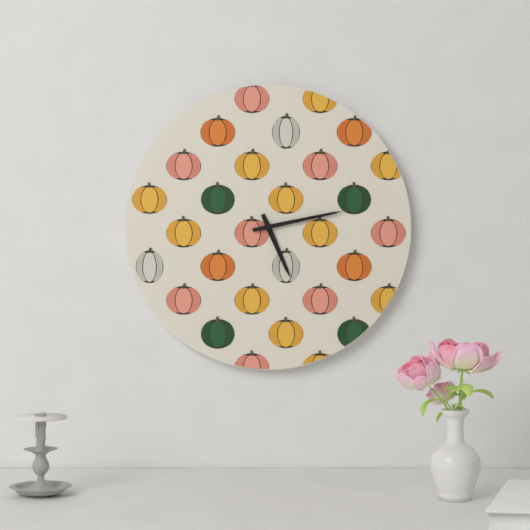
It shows 5.13
